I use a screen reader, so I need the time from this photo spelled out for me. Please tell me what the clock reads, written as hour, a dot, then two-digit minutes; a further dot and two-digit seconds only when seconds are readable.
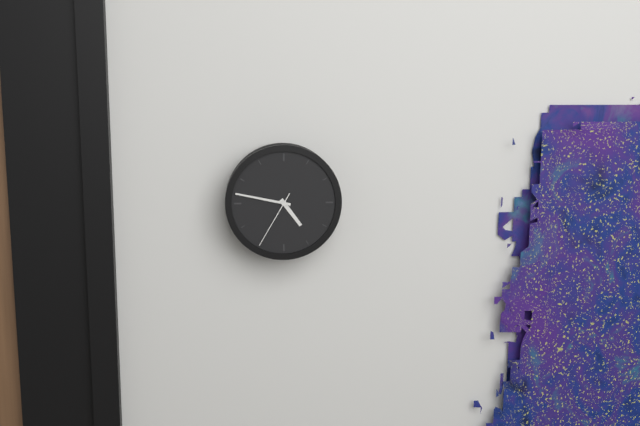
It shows 4.47.35
